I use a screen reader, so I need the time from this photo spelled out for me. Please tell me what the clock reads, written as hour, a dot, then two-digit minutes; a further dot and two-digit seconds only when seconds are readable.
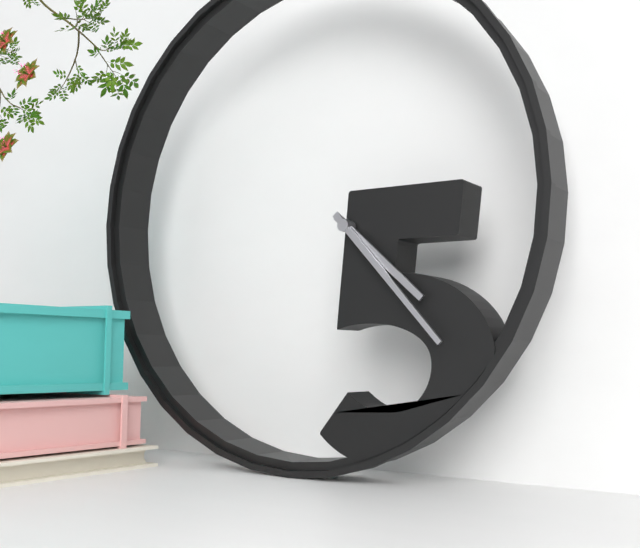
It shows 4.23
